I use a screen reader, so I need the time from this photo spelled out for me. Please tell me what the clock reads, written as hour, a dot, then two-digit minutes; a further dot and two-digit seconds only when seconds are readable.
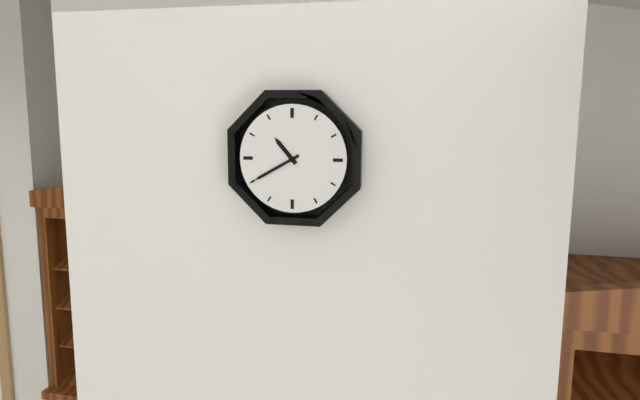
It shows 10.40
